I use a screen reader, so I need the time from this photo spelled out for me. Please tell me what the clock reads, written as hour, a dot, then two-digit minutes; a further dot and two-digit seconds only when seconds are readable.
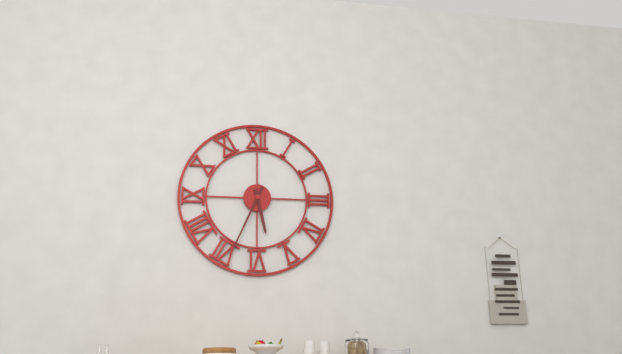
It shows 5.34
